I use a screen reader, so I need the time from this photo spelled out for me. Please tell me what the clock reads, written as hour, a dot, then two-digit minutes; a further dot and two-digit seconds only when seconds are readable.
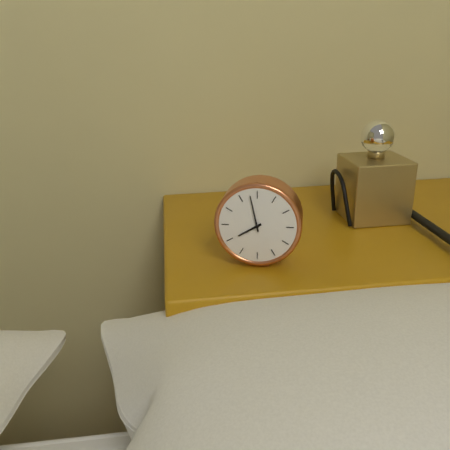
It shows 7.58
